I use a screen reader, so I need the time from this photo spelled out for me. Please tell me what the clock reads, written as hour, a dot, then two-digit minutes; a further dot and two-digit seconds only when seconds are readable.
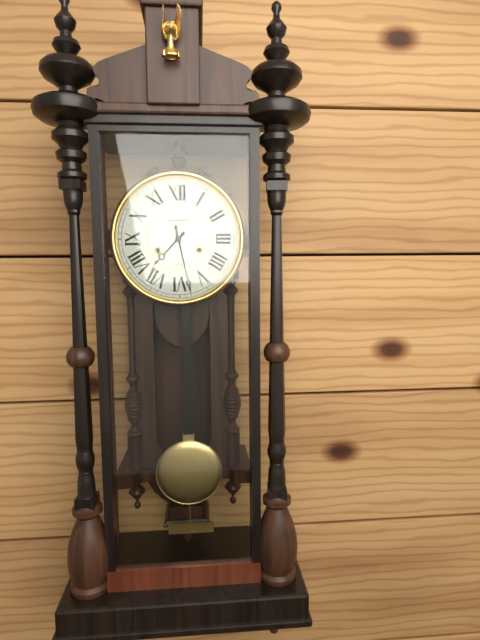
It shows 7.28
